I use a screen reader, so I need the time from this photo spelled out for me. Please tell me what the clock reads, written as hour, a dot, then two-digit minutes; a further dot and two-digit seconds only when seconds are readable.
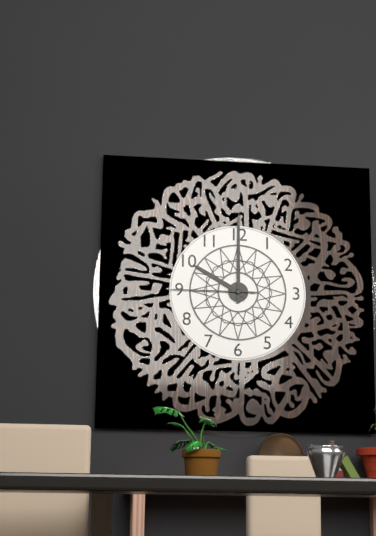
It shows 10.00.45
